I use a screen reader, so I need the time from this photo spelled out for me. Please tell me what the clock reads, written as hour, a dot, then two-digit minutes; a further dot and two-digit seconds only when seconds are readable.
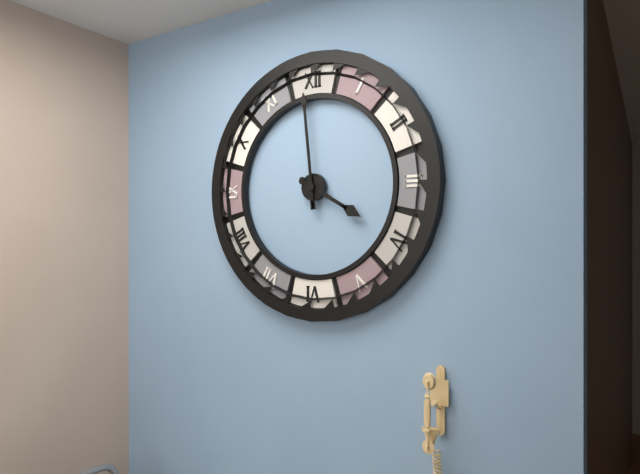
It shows 3.59
